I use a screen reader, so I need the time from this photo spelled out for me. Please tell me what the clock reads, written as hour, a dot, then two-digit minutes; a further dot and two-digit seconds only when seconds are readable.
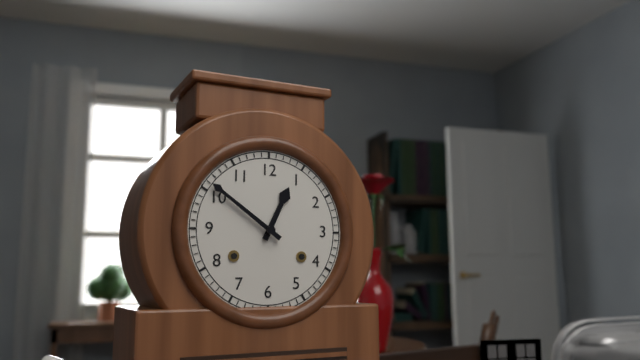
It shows 12.51
